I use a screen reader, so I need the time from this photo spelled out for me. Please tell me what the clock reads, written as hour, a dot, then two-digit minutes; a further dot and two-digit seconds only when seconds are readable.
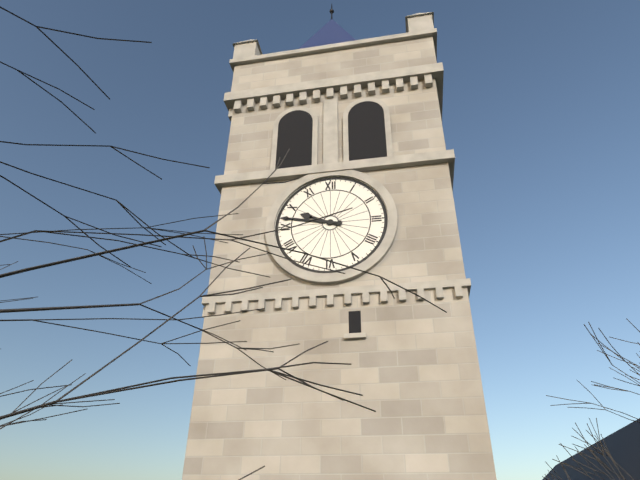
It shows 9.47
